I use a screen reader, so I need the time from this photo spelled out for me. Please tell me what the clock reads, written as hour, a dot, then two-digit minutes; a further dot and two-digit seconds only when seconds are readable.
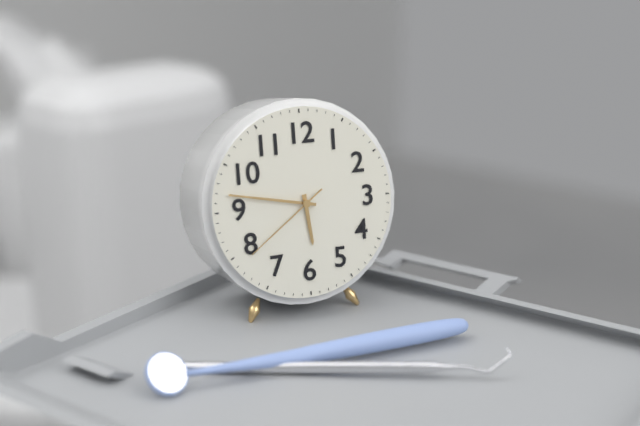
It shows 5.47.39
